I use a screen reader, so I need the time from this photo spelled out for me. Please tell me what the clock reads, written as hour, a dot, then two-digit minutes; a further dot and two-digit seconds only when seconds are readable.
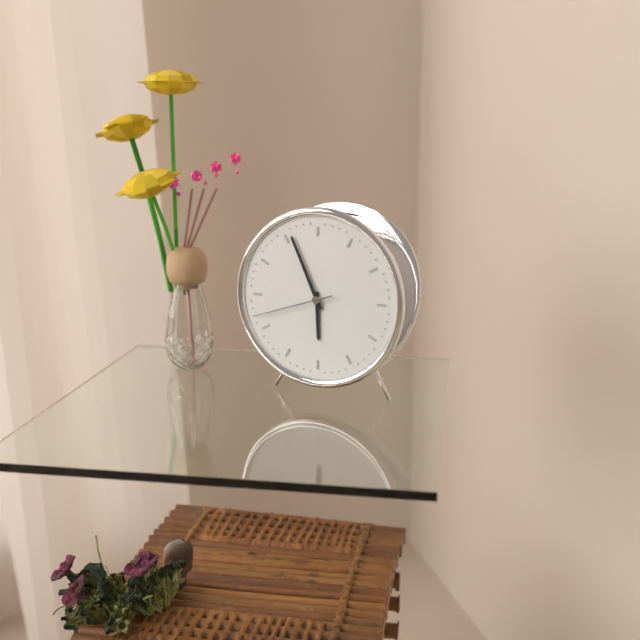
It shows 5.56.42
